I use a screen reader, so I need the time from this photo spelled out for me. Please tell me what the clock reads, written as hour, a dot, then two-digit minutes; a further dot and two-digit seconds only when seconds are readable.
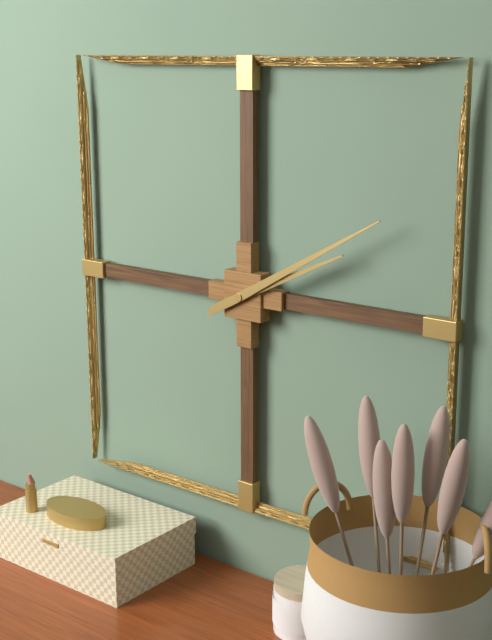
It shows 2.10
